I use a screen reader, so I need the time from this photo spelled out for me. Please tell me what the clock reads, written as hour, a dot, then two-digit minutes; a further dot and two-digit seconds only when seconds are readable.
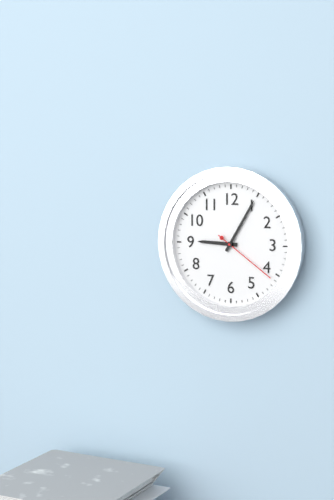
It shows 9.05.21
